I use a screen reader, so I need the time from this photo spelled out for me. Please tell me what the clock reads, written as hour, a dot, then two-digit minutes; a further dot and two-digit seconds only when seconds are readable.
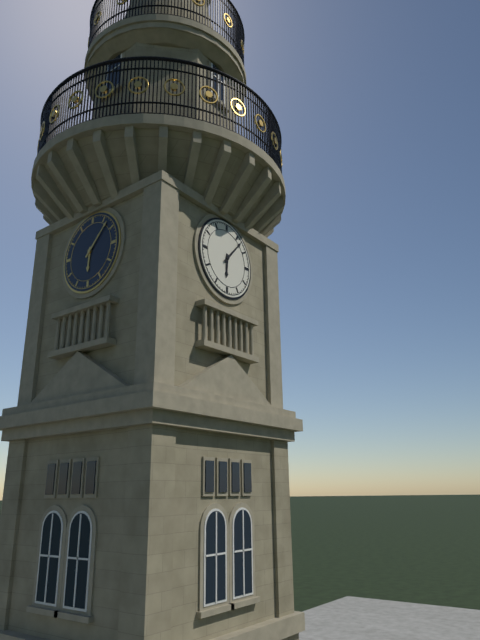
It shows 6.07
